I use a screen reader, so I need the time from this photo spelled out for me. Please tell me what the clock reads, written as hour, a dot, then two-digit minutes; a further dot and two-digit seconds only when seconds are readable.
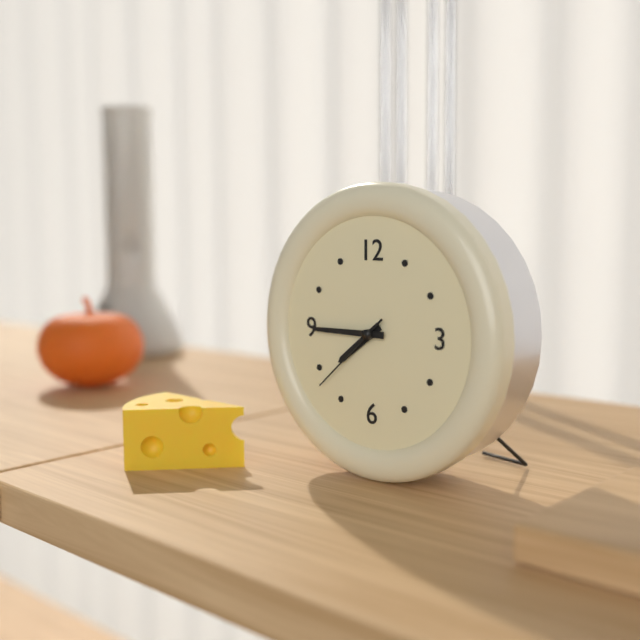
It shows 7.45.38
